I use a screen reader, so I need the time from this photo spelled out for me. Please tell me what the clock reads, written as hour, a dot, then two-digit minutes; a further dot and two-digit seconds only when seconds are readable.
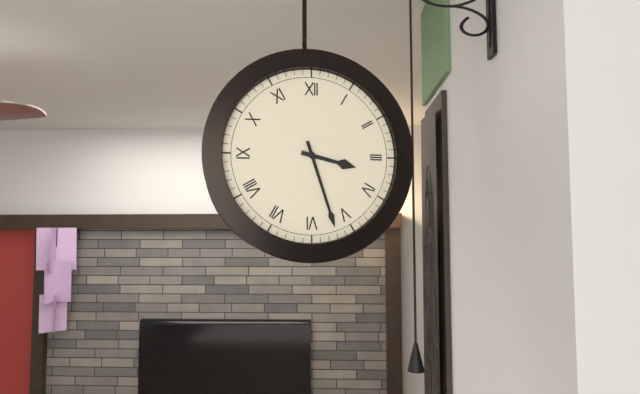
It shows 3.27
